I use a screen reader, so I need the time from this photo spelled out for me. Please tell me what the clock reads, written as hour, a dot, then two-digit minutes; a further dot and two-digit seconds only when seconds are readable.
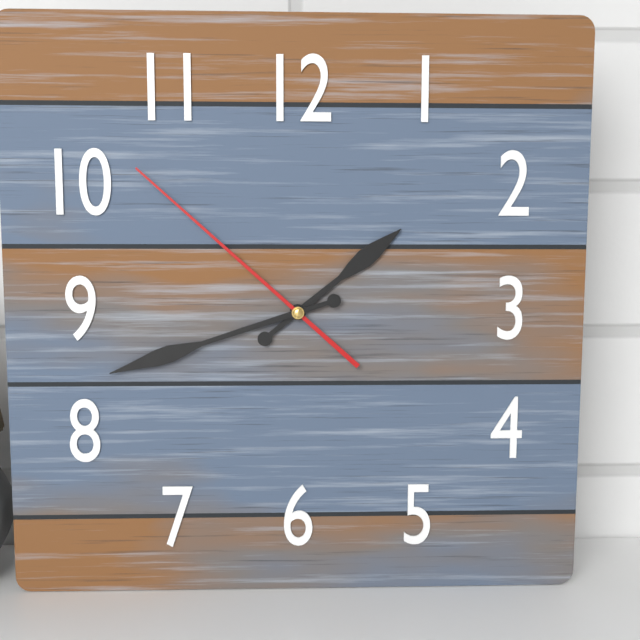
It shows 1.42.52
